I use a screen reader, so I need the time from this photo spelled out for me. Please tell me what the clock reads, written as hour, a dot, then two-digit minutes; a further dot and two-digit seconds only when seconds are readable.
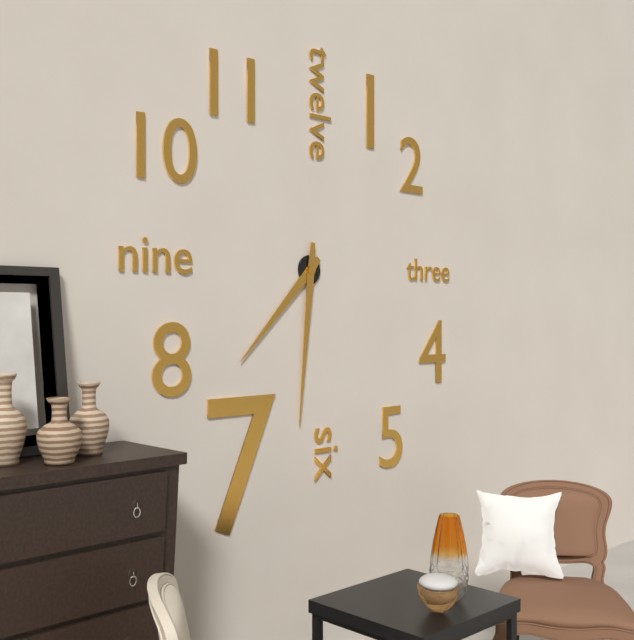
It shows 7.31
